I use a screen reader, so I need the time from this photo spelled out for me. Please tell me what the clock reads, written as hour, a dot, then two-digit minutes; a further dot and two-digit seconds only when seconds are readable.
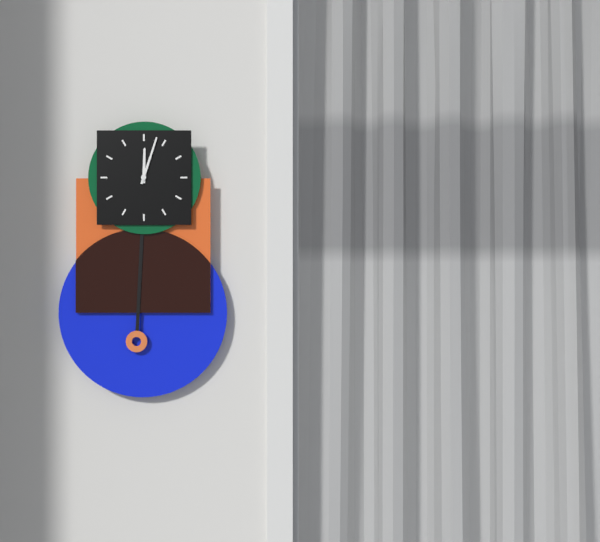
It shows 12.03
